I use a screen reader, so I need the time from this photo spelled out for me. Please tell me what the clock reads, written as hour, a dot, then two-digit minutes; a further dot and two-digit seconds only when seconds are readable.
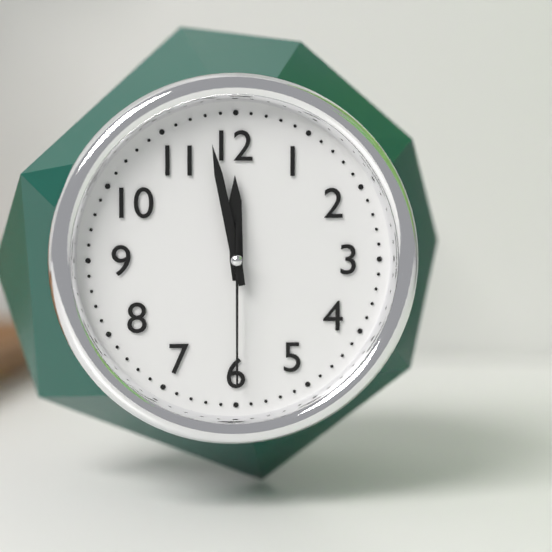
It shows 11.58.30
